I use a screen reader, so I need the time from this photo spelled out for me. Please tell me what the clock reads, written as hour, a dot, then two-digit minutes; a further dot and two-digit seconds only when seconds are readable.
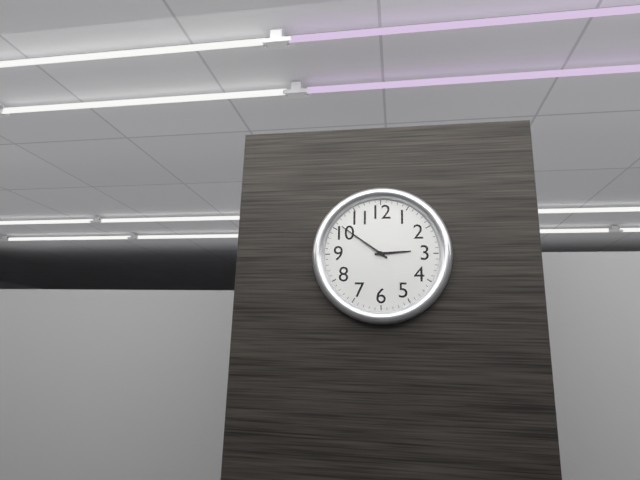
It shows 2.51
